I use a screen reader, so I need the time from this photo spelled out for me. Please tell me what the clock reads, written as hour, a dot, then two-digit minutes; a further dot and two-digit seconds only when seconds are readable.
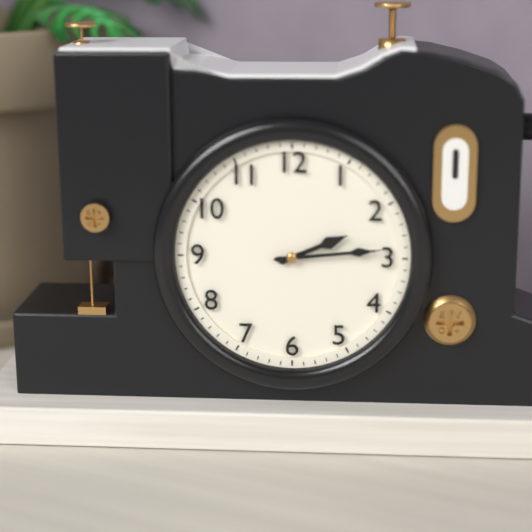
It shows 2.14
